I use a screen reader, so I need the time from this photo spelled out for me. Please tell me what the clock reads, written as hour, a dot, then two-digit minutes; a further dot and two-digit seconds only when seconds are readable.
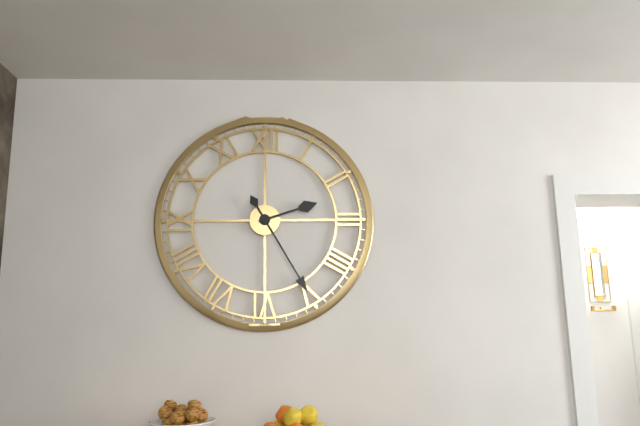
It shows 2.25
